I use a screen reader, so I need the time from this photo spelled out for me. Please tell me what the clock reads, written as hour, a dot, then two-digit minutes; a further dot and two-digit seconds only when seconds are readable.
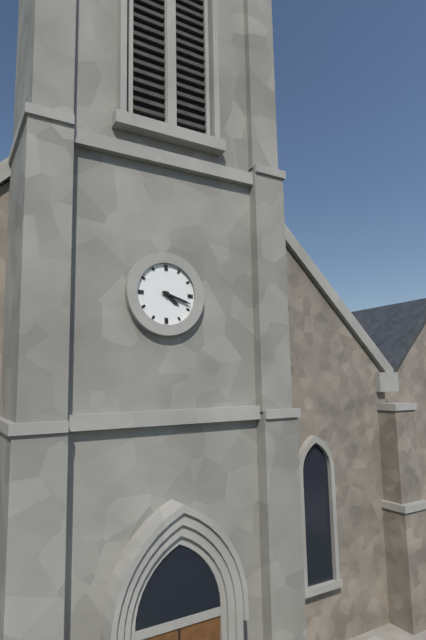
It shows 4.18
